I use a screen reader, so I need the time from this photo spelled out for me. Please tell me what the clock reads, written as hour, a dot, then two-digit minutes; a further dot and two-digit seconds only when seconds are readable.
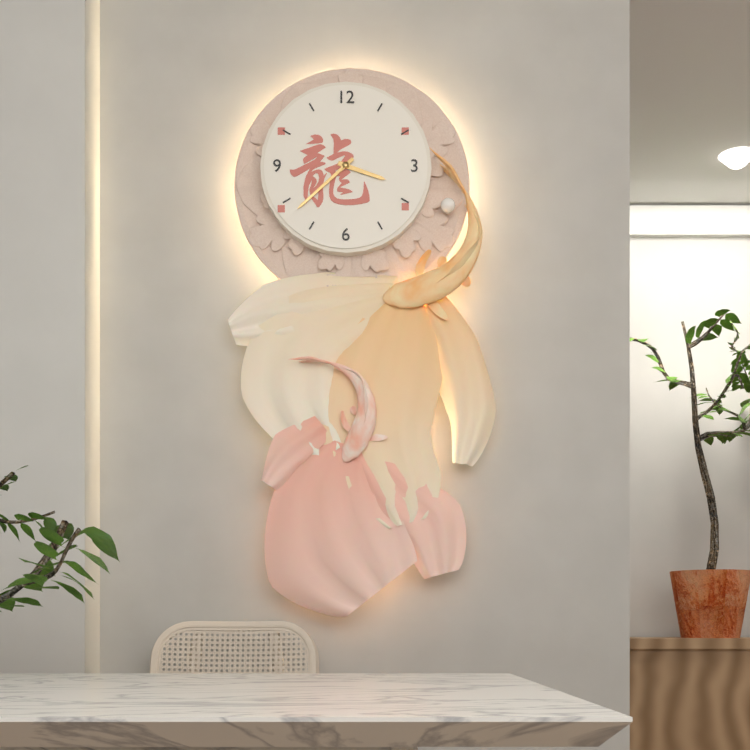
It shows 3.38
